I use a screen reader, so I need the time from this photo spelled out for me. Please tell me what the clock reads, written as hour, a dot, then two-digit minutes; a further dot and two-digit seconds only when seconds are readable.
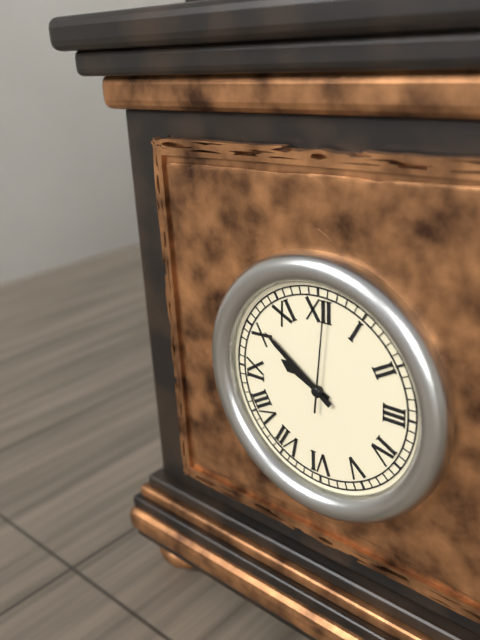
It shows 9.51.01
